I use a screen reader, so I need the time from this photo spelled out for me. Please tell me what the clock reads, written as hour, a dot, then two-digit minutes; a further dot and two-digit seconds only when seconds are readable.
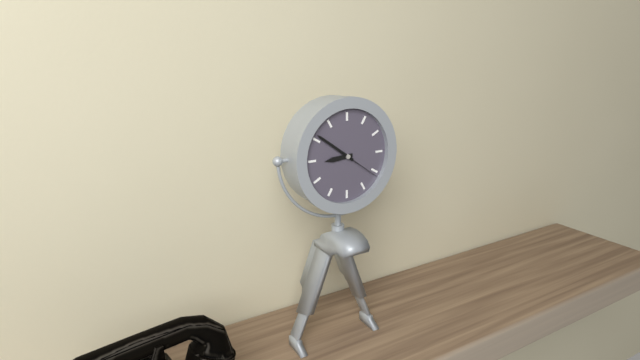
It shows 8.51
